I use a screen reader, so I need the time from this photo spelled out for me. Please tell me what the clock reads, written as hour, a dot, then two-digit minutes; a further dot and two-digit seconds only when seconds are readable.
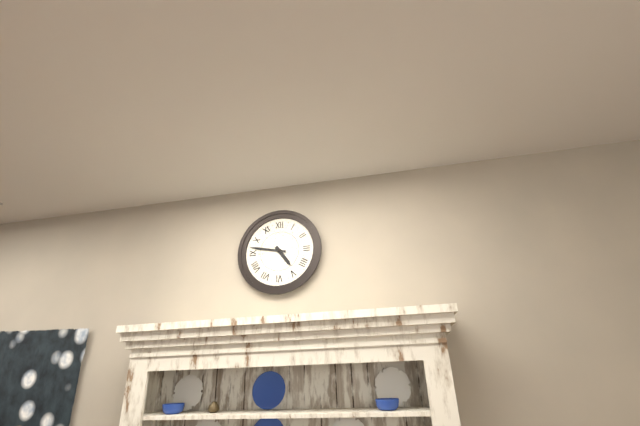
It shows 4.47
